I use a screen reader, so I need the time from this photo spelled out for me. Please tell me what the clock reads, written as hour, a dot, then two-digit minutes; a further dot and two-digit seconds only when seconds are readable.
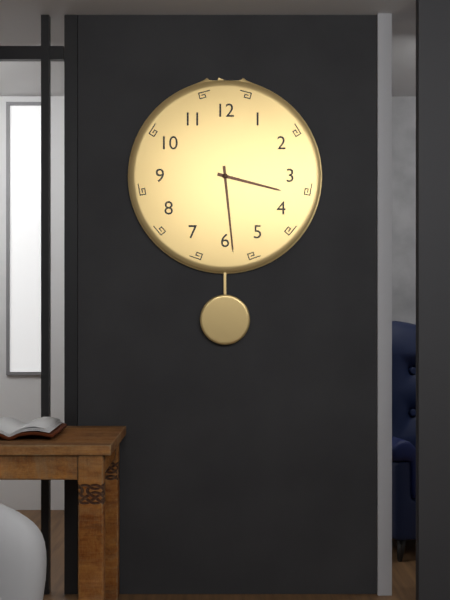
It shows 3.29
